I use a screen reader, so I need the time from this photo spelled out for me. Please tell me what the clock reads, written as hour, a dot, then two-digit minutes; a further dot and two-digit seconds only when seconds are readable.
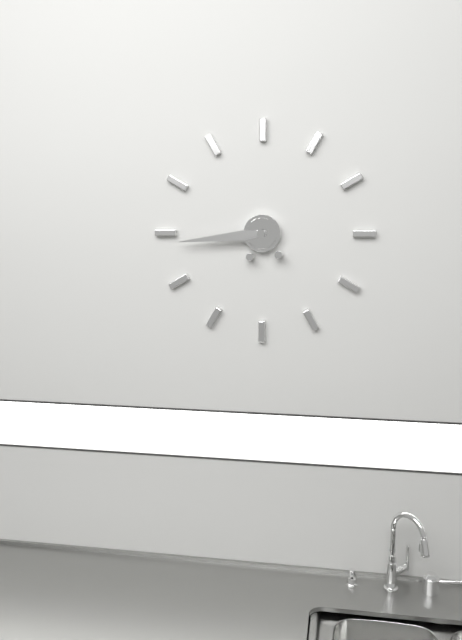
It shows 8.44
